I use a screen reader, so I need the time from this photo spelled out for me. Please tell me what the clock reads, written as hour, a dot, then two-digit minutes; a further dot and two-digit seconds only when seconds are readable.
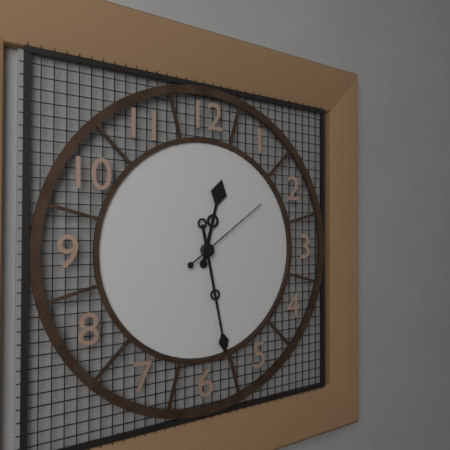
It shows 12.28.09
